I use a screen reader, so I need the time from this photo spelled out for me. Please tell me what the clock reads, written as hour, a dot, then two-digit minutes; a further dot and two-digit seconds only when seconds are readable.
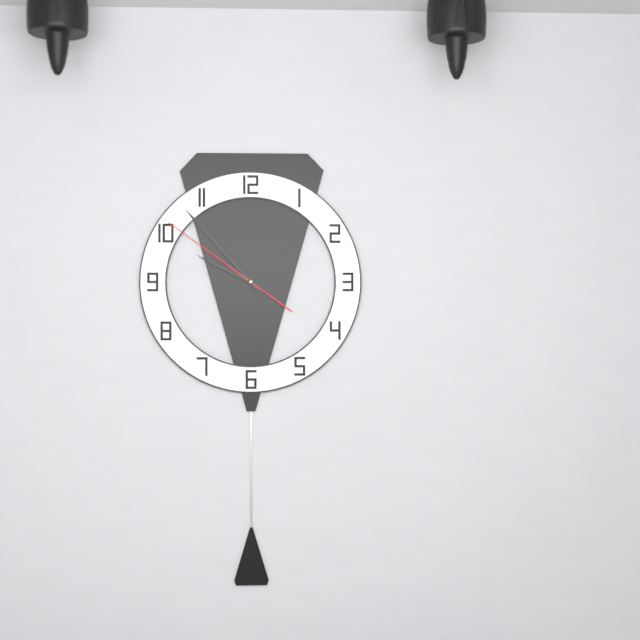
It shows 9.53.51
